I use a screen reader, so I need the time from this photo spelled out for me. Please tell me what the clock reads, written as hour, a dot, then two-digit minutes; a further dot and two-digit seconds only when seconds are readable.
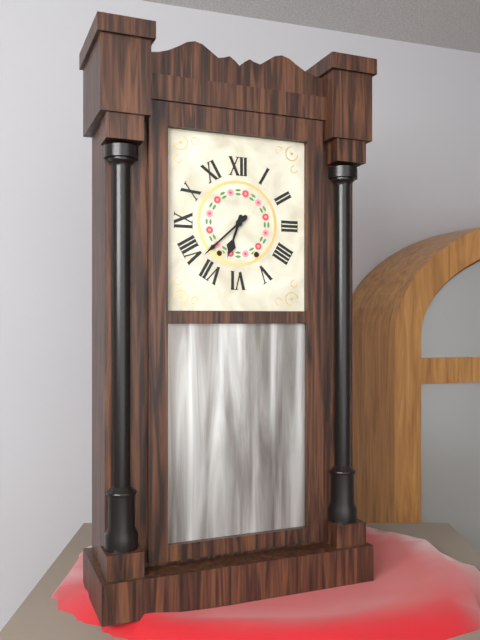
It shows 6.38
